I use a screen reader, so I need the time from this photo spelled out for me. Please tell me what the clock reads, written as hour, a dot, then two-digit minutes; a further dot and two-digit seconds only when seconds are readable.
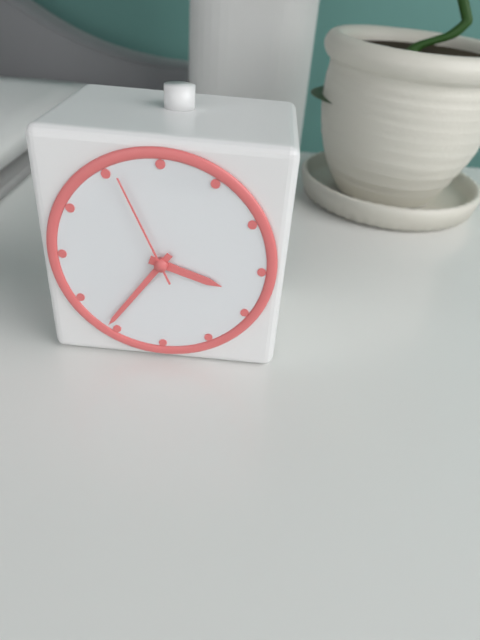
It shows 3.36.56
